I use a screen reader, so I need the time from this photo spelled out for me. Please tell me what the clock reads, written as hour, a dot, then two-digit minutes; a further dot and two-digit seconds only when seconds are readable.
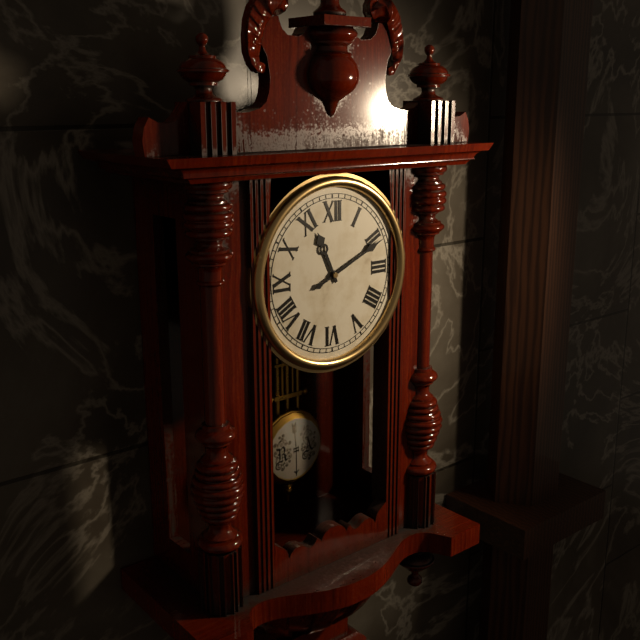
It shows 11.11
